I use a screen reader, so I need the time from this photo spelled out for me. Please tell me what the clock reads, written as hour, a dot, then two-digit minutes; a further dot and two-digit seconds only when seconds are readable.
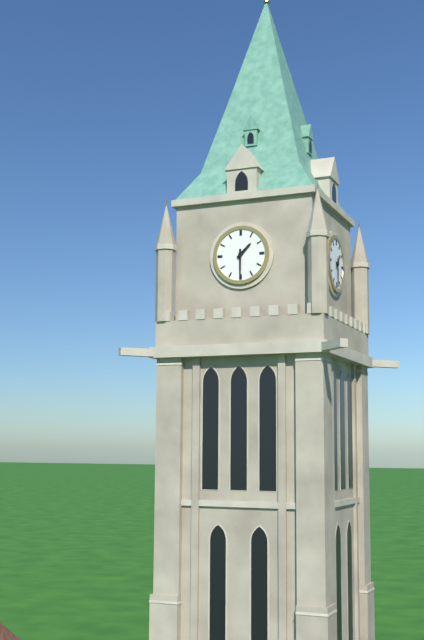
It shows 1.30
